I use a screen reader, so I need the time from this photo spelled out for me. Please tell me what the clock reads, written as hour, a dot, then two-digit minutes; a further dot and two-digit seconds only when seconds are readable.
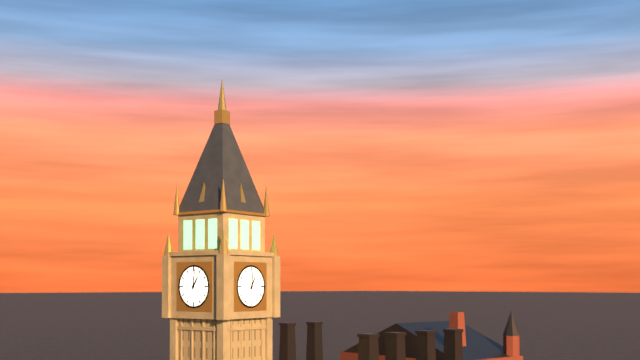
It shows 1.01
